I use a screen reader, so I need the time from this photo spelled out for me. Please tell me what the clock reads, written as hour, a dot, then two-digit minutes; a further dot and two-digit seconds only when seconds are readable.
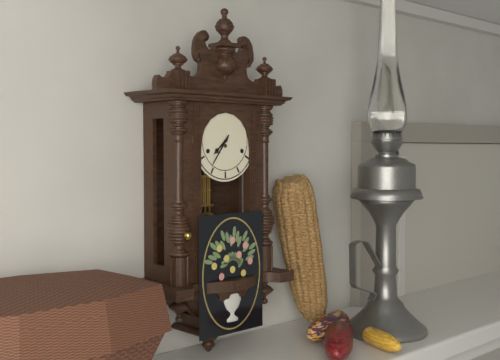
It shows 7.36
